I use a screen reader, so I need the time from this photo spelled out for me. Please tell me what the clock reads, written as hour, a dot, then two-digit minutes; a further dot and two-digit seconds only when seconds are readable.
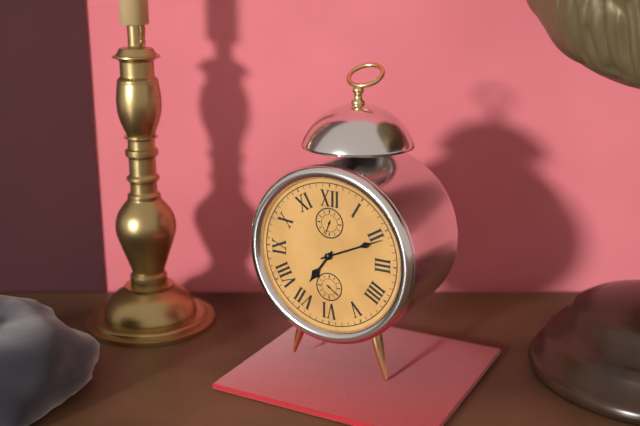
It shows 7.11
